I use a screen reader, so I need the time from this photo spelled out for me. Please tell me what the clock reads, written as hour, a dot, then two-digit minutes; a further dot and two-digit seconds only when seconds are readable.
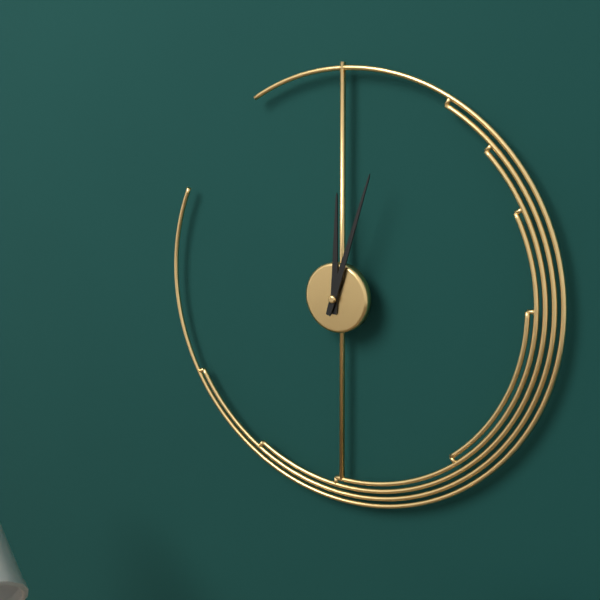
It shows 12.03
